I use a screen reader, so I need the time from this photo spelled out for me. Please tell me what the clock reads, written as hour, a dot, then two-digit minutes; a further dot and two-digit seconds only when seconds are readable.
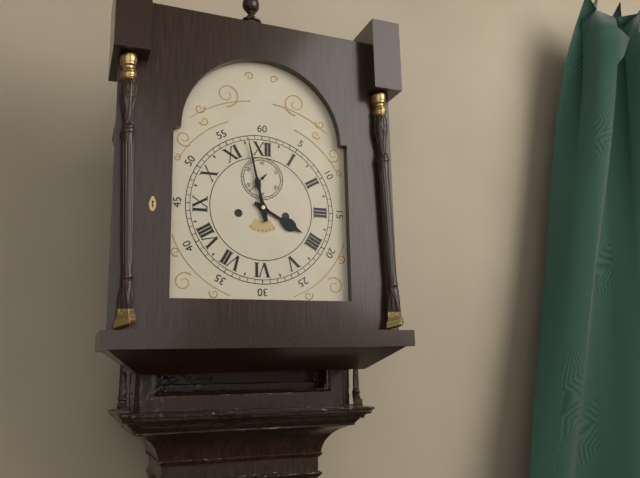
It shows 3.58
